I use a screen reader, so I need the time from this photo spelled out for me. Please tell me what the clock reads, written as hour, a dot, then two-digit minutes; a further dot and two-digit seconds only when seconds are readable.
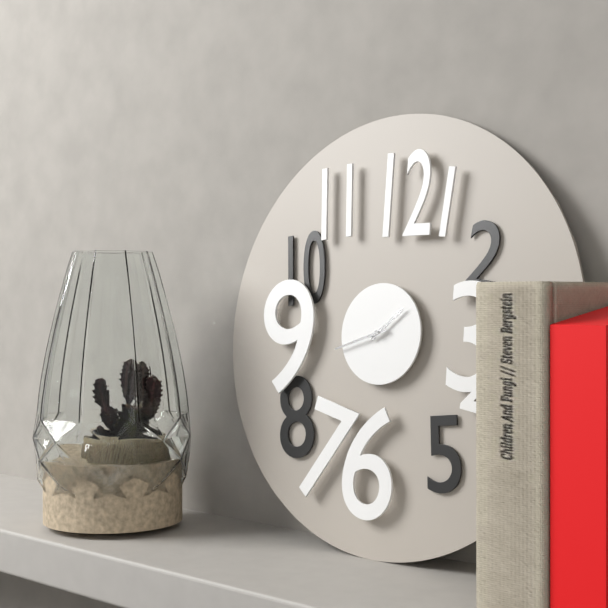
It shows 1.42
